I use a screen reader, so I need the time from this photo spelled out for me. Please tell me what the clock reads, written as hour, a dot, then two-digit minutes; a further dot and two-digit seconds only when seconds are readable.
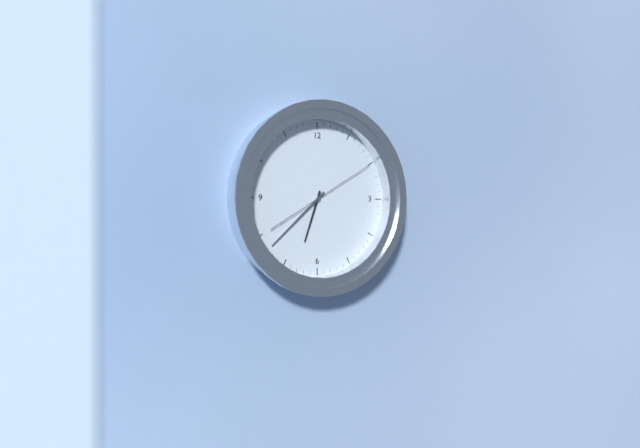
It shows 6.38.10
